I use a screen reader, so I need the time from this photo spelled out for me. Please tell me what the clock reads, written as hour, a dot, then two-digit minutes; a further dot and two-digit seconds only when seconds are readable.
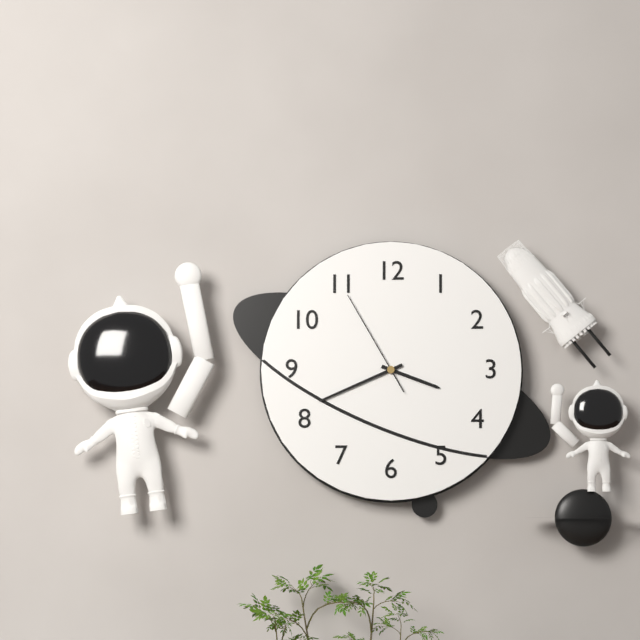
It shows 3.41.55
